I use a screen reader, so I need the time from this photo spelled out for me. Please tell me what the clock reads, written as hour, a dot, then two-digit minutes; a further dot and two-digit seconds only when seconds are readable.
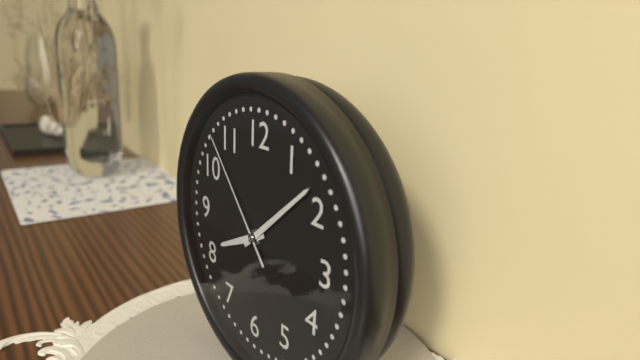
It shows 8.08.53
